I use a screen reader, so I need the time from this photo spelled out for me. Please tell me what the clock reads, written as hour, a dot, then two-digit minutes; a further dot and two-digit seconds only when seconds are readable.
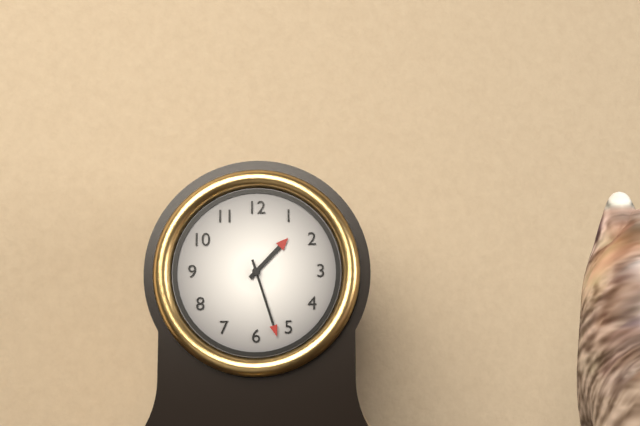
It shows 1.27
